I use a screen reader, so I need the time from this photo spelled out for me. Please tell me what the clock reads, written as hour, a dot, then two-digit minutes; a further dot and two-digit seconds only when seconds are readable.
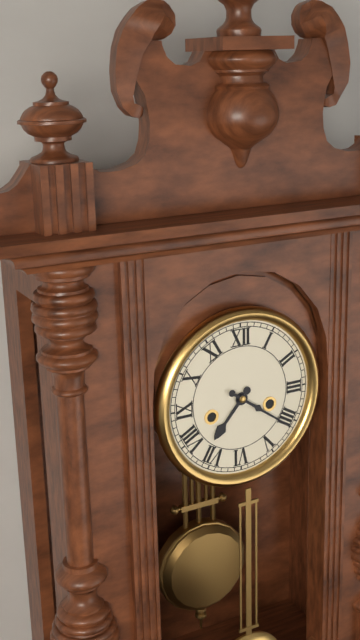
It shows 7.21
